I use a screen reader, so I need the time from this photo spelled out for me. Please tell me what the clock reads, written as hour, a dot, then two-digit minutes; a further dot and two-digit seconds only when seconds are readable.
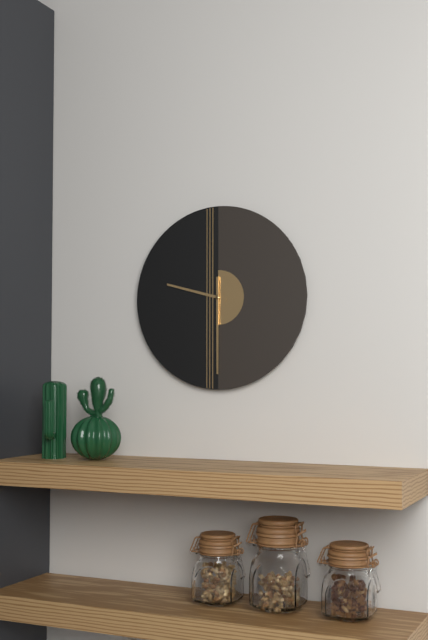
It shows 9.30
